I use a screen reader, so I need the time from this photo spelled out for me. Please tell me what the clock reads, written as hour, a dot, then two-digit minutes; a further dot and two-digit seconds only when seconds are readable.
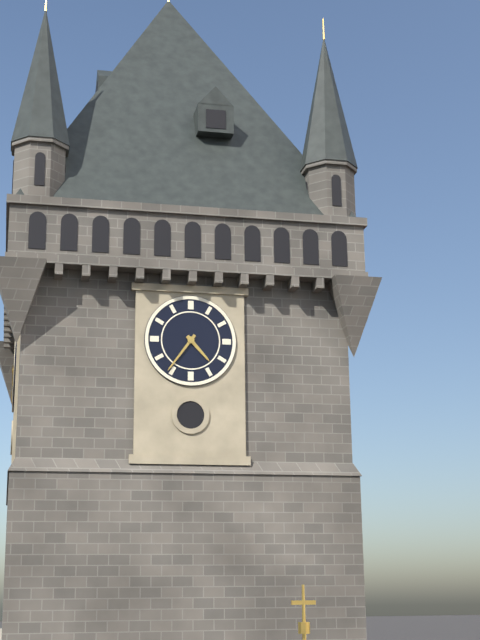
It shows 4.36
